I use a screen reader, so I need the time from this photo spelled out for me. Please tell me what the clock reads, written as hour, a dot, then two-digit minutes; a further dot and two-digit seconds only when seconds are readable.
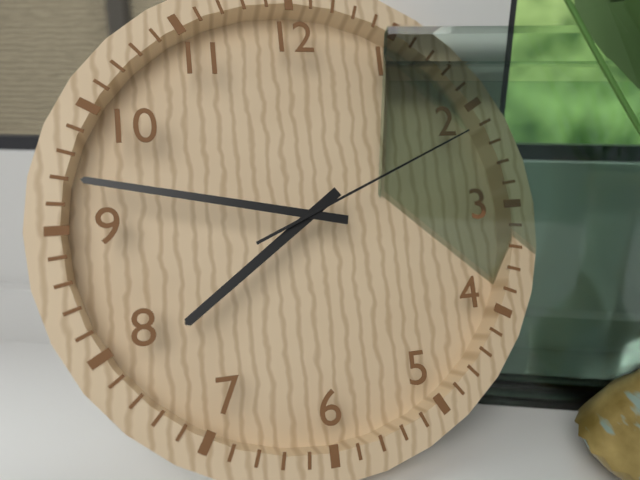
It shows 7.47.11
